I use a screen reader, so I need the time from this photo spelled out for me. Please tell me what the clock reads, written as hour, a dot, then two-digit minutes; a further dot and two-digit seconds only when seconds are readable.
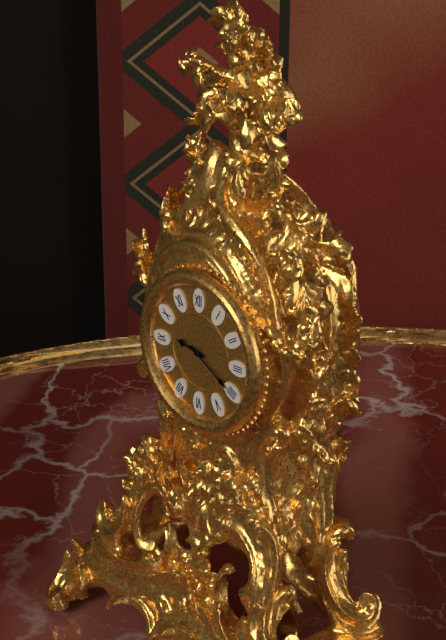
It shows 9.20
